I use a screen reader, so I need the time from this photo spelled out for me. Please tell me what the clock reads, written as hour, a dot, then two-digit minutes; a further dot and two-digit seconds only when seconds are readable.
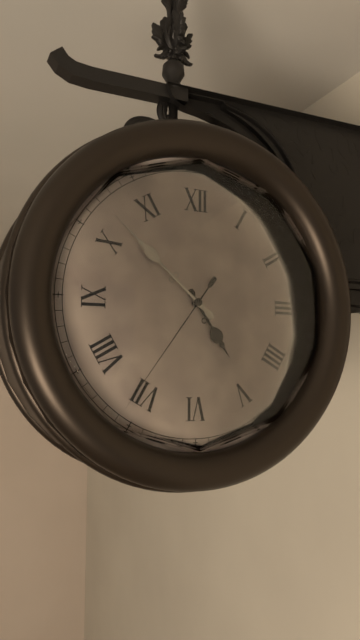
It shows 4.52.36
